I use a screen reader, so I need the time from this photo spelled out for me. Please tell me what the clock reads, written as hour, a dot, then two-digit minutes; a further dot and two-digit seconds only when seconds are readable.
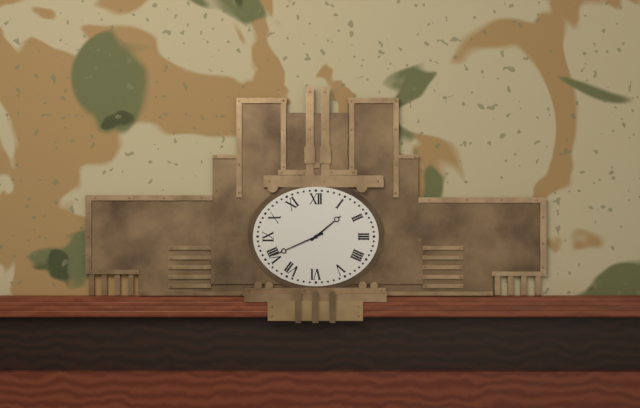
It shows 1.41
